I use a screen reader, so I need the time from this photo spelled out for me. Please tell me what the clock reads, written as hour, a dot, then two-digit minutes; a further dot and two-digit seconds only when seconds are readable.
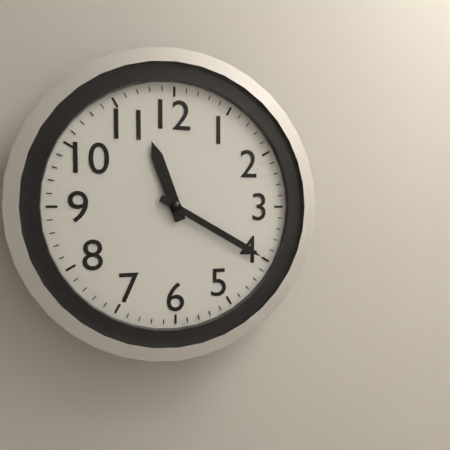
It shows 11.20
